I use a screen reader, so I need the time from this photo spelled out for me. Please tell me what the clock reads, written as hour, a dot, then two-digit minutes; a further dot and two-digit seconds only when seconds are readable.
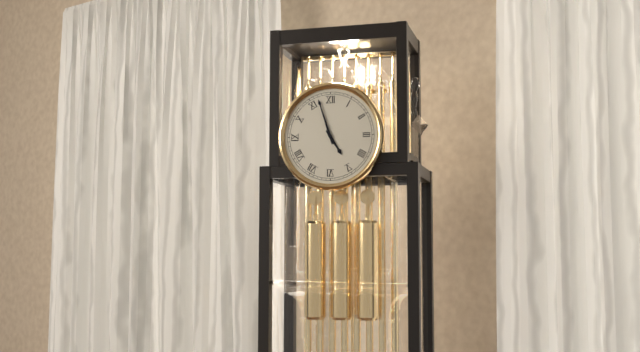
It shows 4.57
